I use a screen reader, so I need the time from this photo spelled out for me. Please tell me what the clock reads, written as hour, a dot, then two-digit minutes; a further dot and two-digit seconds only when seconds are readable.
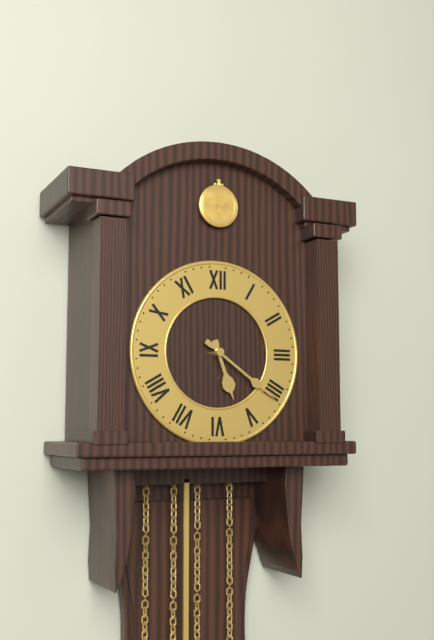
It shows 5.21
